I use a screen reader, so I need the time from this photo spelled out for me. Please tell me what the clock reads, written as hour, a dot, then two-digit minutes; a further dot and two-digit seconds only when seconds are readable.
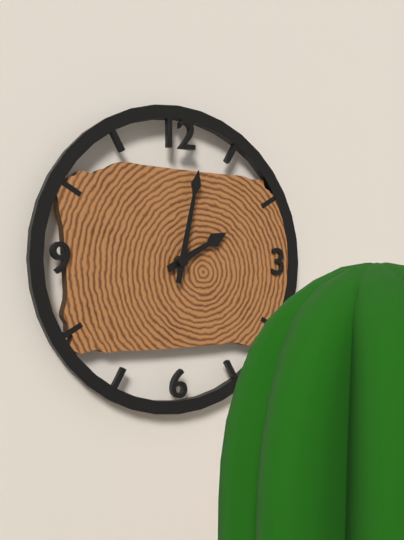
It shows 2.02
